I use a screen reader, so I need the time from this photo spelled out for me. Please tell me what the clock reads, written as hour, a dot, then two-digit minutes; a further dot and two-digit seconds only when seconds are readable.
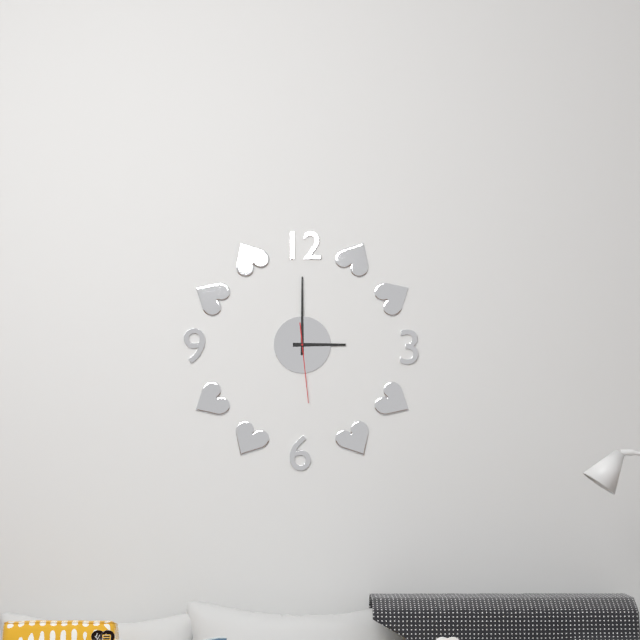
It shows 3.00.29
